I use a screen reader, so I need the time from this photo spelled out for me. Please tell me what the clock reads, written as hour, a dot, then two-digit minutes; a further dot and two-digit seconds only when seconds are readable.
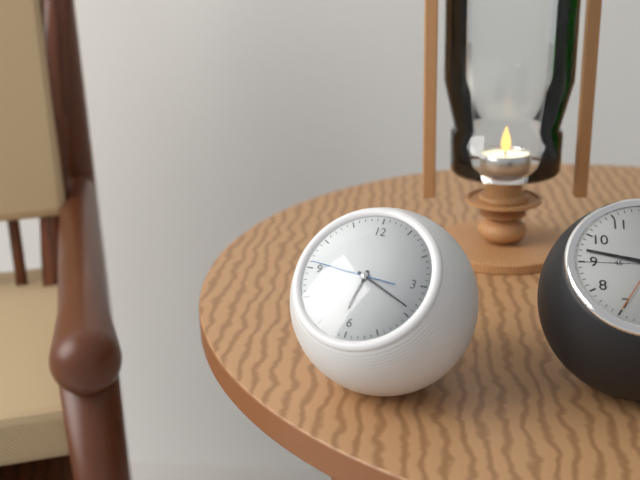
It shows 6.19.46
